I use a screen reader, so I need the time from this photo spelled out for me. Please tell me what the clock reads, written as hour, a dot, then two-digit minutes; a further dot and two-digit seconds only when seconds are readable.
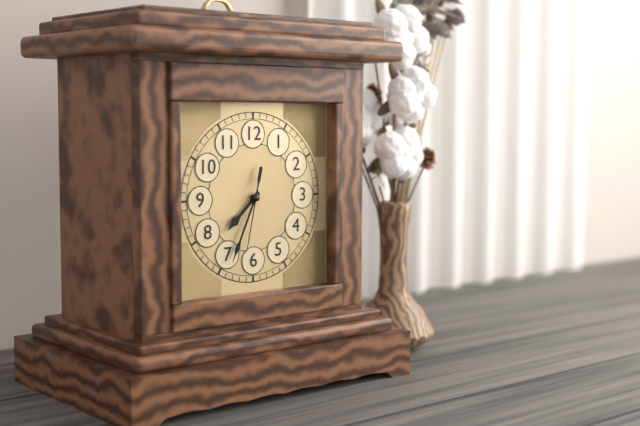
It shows 7.34.32
